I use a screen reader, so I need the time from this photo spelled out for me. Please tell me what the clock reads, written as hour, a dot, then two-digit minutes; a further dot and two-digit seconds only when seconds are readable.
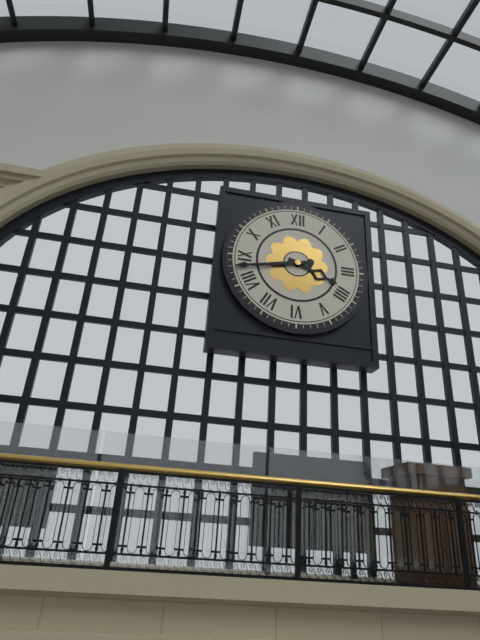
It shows 3.43
